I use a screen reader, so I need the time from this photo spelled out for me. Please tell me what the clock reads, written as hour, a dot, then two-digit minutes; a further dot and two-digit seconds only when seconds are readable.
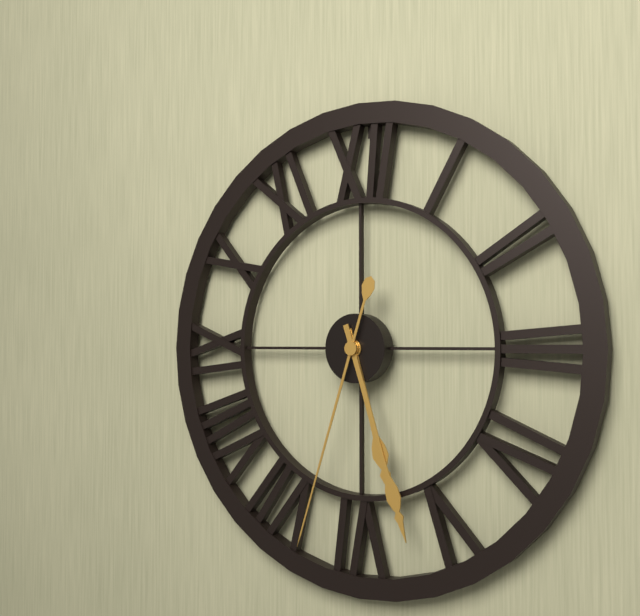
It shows 5.27.33
